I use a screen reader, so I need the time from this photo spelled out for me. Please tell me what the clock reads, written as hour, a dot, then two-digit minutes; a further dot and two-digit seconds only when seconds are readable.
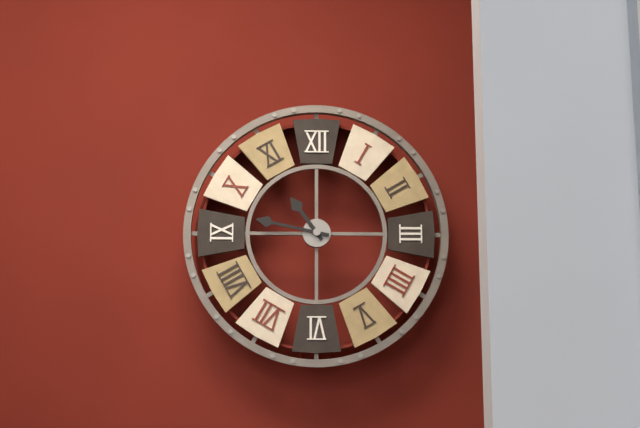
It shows 10.47
